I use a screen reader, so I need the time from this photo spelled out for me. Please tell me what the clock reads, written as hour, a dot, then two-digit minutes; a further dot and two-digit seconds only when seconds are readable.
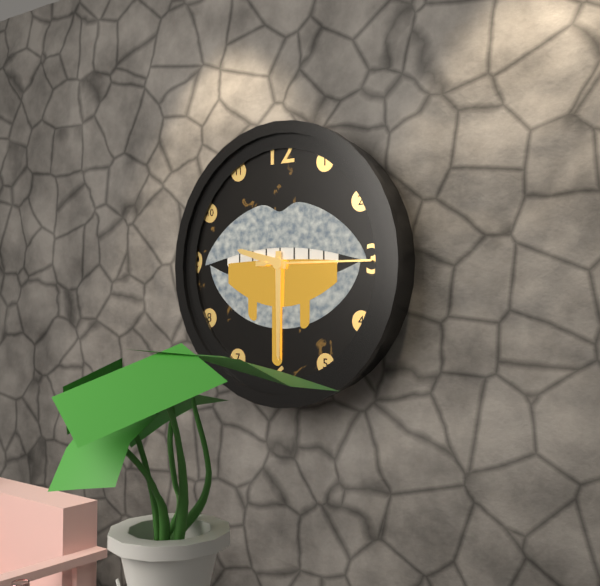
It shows 9.30.15
